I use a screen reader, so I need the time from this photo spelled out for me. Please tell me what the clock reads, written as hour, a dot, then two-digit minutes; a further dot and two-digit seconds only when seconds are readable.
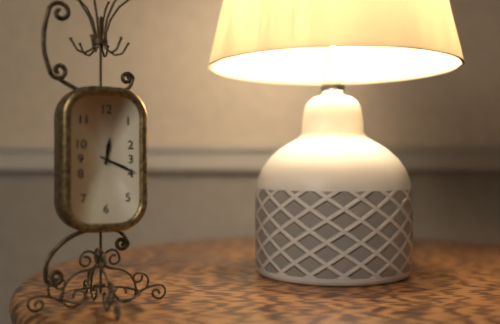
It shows 12.19
